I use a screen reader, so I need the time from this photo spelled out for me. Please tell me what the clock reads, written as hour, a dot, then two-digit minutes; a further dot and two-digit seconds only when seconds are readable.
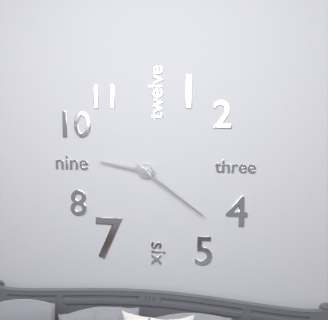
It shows 9.21
